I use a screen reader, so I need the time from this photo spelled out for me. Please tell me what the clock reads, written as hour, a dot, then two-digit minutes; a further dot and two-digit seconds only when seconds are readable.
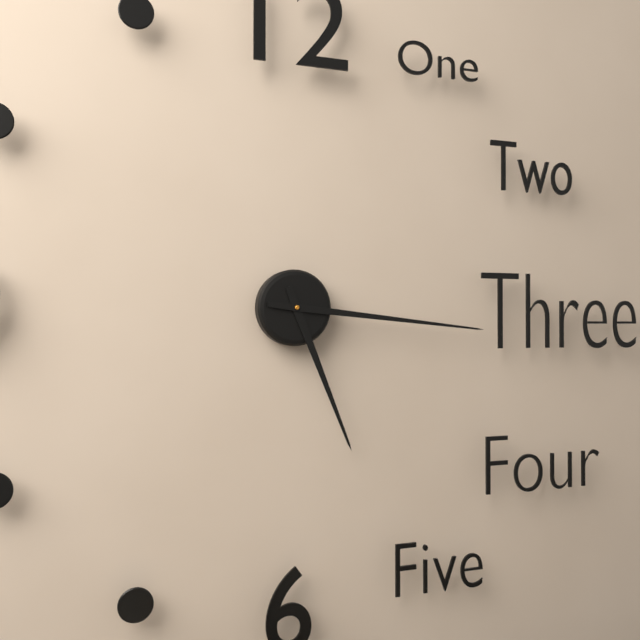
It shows 5.16
